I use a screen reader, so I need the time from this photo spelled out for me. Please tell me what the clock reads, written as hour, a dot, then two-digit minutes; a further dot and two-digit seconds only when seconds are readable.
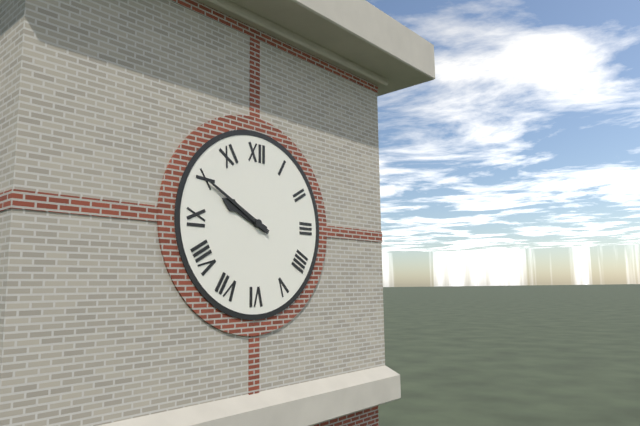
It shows 9.50
